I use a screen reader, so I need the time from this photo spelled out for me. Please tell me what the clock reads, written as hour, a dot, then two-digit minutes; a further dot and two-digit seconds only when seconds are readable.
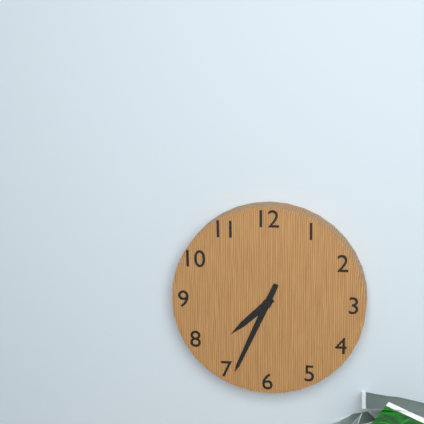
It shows 7.34
